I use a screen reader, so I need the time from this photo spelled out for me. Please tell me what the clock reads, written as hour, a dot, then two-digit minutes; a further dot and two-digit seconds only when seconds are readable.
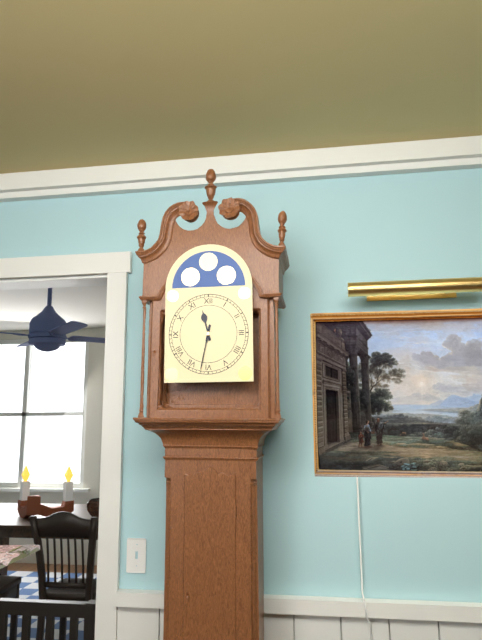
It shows 11.32
